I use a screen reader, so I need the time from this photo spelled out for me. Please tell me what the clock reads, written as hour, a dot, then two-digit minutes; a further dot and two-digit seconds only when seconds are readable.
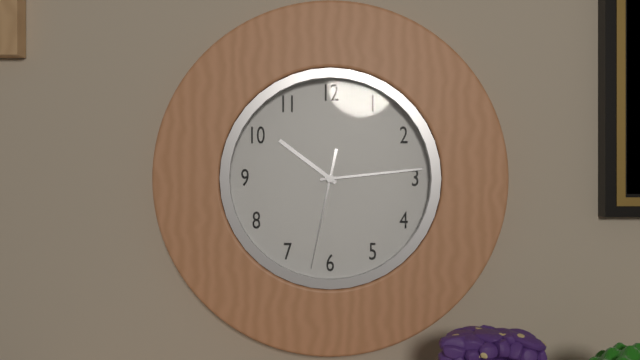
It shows 10.14.32
